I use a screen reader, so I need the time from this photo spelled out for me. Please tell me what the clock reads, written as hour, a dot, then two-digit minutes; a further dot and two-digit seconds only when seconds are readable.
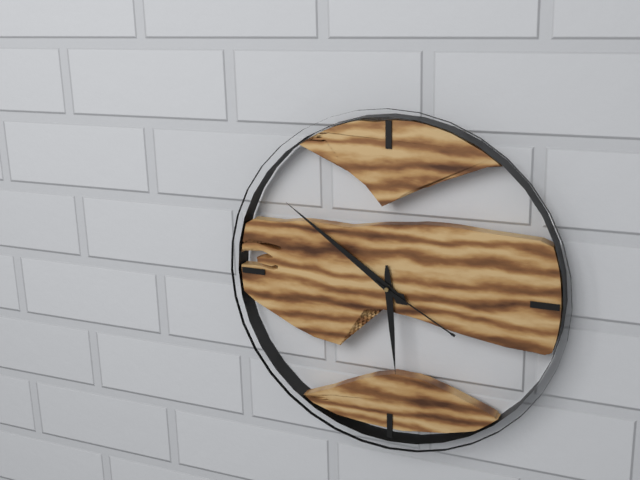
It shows 5.51.20
